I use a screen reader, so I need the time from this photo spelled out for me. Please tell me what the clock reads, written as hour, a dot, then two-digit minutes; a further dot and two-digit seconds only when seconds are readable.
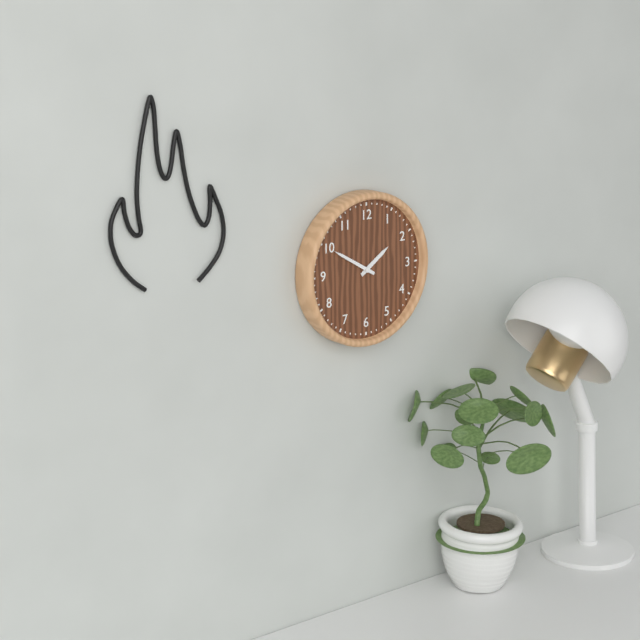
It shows 1.50
